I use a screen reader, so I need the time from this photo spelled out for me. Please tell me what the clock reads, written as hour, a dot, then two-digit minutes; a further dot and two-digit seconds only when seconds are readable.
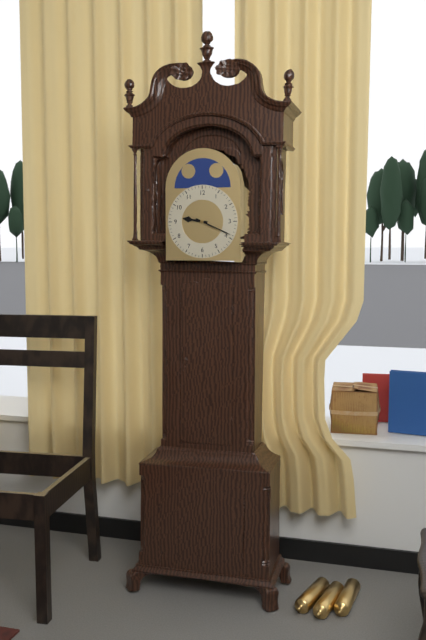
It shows 9.19
